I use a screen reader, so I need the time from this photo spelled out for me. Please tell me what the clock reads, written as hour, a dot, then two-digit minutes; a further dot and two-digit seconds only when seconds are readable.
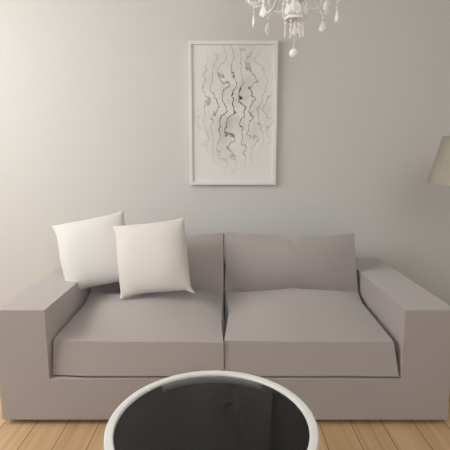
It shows 2.01
